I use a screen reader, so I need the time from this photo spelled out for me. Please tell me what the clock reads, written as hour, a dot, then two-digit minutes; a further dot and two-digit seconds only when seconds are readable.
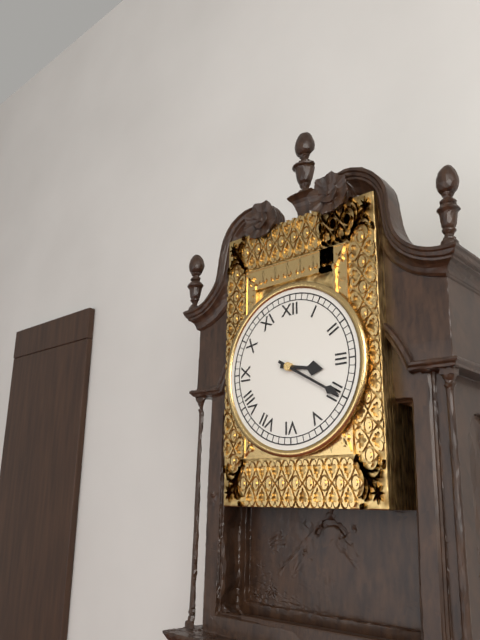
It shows 3.20
